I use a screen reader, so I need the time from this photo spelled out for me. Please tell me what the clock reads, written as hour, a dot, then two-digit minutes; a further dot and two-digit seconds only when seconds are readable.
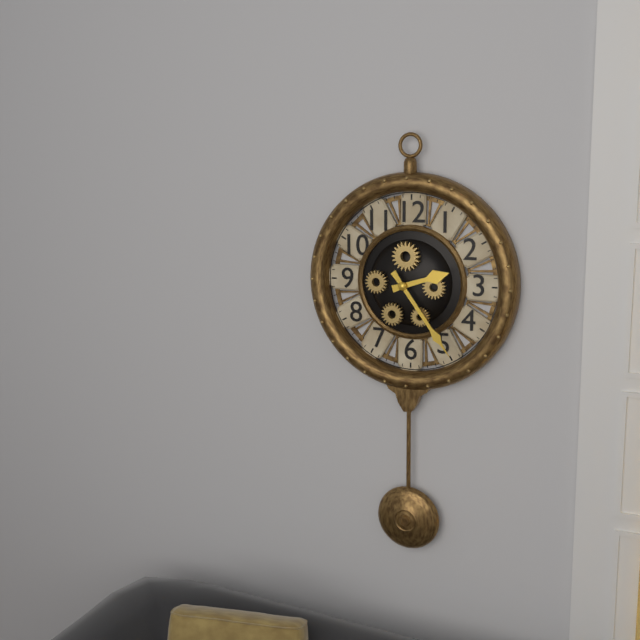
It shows 2.24
